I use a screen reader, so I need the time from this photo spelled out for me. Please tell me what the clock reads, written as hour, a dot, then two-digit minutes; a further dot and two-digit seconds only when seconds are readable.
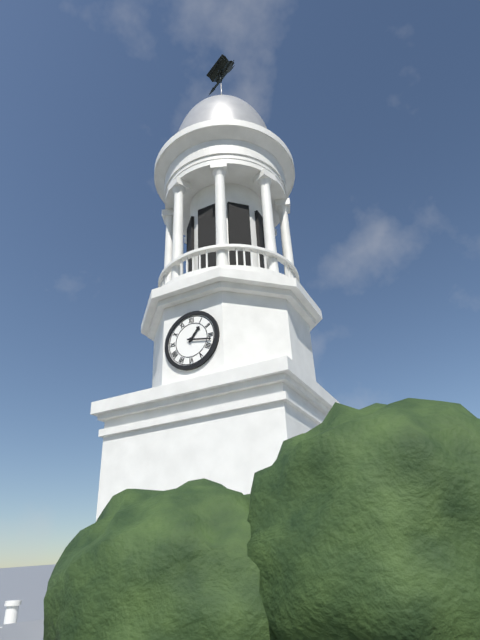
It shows 1.17
